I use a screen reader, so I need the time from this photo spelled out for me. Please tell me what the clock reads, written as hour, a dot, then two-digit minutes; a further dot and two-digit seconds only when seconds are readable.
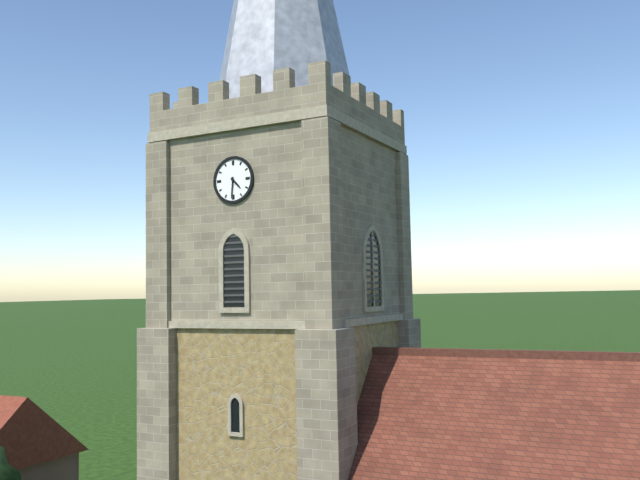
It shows 4.31
